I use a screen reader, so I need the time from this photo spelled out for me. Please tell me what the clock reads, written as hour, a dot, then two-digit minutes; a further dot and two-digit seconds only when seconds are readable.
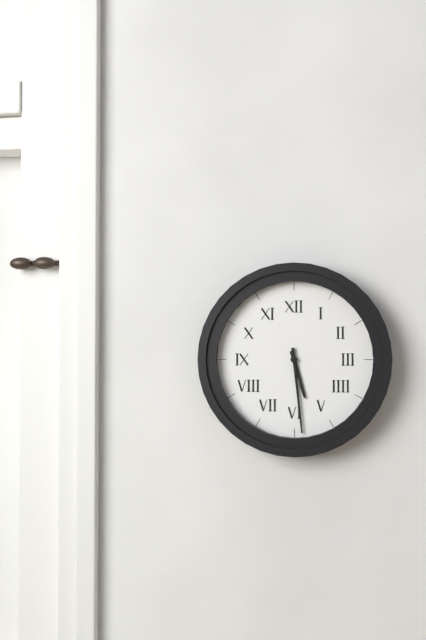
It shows 5.29
